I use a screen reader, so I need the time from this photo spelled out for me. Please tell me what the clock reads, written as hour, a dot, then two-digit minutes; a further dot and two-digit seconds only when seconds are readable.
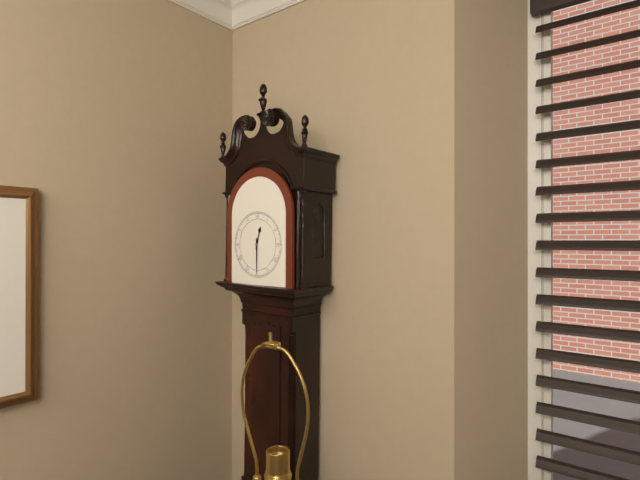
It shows 12.30
